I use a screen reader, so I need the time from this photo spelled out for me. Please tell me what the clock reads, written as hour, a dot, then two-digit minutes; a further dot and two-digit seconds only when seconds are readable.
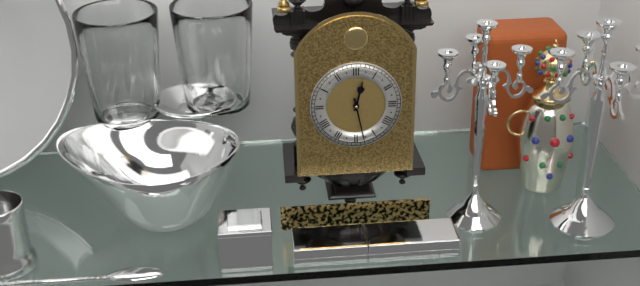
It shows 12.28
